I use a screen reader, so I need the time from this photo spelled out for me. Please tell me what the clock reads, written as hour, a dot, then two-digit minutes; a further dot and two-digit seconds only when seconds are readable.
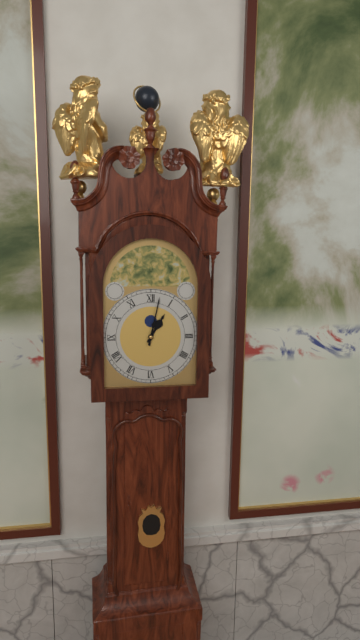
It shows 1.02
